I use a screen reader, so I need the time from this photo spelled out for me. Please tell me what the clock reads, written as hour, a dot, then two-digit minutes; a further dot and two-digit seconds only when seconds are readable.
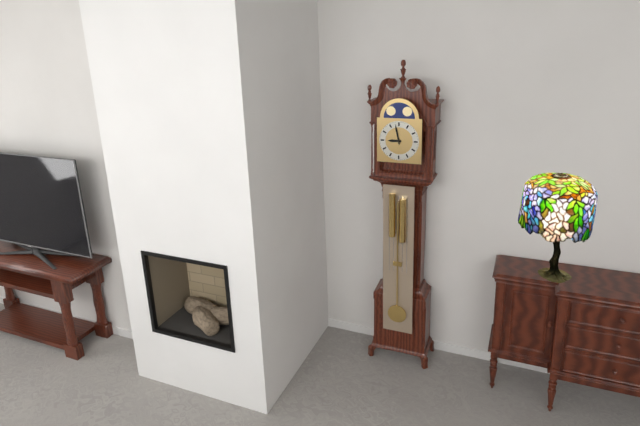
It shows 8.58
